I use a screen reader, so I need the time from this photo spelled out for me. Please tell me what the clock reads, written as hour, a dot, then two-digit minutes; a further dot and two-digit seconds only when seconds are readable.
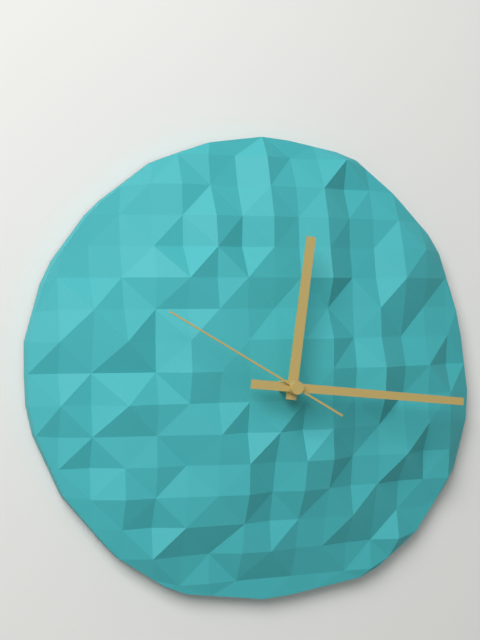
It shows 12.16.50
